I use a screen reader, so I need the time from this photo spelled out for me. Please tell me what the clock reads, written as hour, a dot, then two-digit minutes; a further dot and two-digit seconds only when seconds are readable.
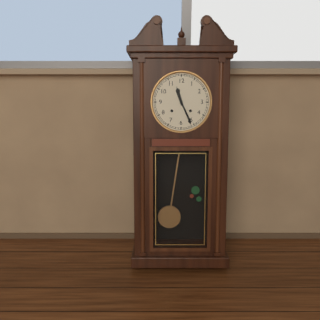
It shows 11.26
